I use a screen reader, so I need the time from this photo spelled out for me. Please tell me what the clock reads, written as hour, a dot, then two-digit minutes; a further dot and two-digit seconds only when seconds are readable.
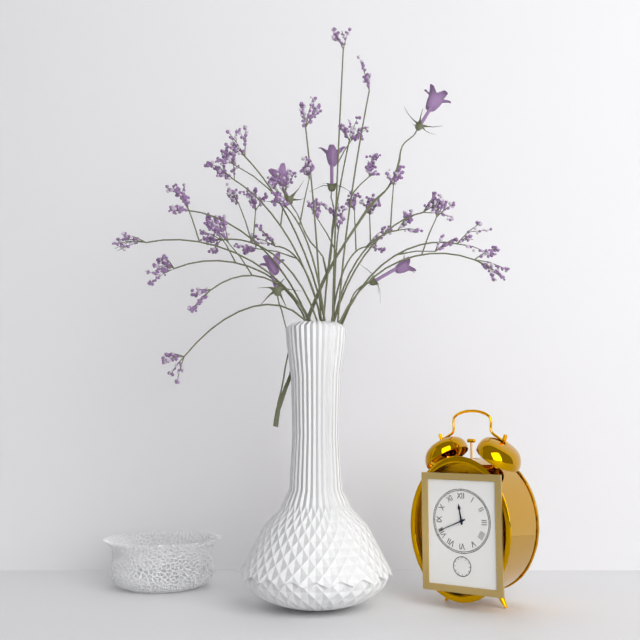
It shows 11.41
